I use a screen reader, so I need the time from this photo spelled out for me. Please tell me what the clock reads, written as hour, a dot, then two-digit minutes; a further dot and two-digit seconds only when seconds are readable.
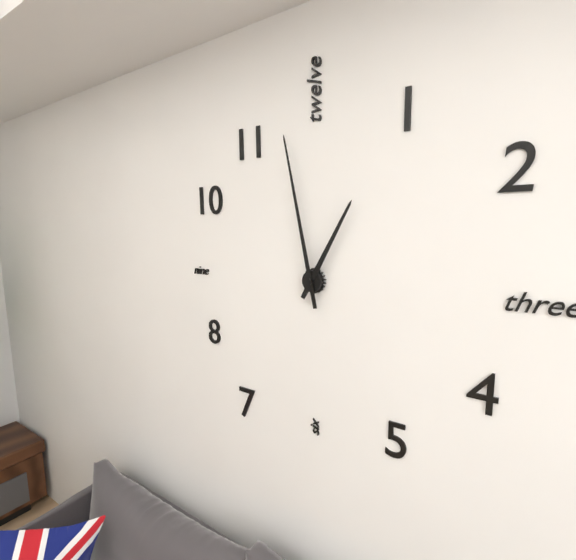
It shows 12.58
